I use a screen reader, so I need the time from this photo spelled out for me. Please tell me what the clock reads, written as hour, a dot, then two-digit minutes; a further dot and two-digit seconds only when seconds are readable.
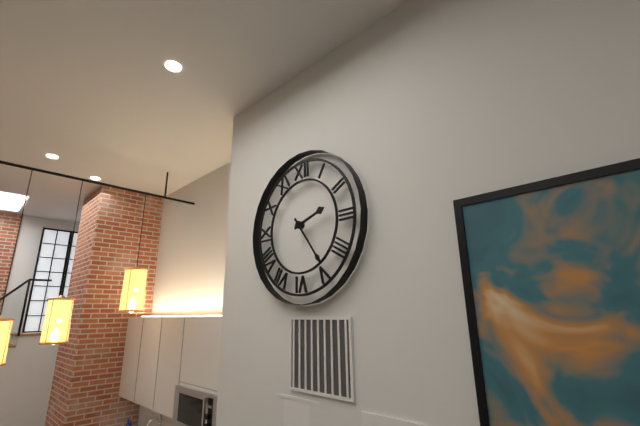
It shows 2.24
